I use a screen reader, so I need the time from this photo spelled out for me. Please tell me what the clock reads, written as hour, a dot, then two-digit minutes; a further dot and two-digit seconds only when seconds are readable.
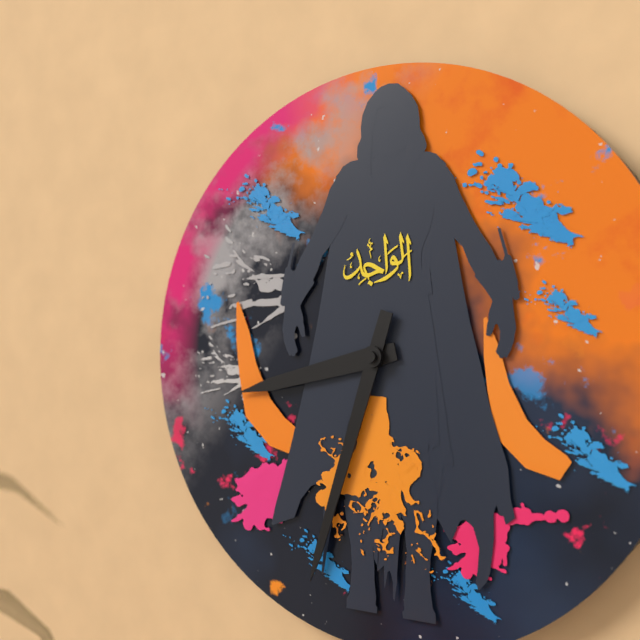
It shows 8.33
